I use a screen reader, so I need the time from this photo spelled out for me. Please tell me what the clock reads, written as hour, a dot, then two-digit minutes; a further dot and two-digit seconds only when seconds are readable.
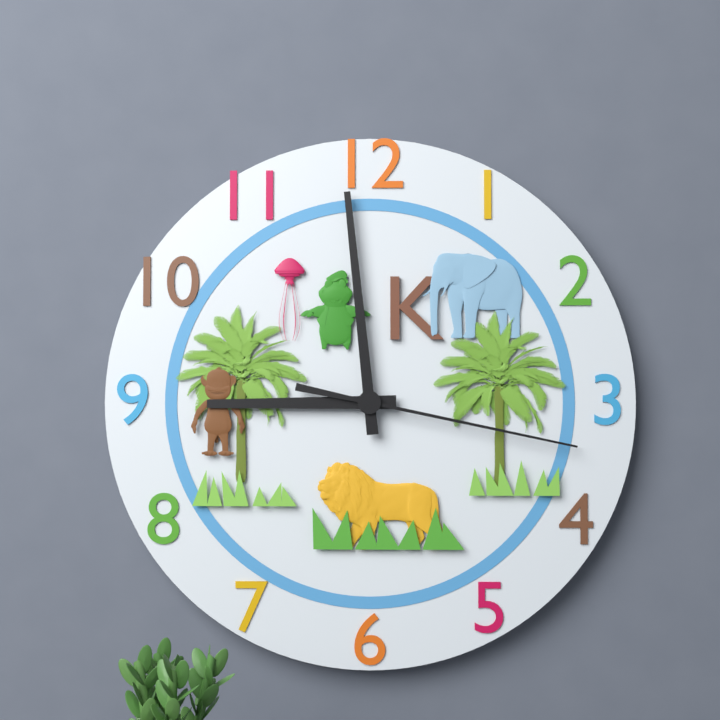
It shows 8.59.17
